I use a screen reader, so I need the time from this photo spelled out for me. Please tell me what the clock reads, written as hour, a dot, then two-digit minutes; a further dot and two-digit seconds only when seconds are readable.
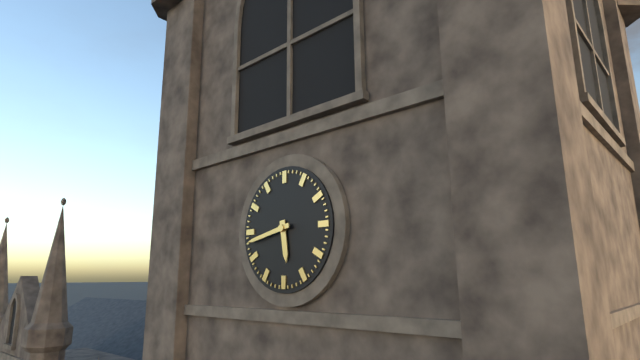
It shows 5.43
